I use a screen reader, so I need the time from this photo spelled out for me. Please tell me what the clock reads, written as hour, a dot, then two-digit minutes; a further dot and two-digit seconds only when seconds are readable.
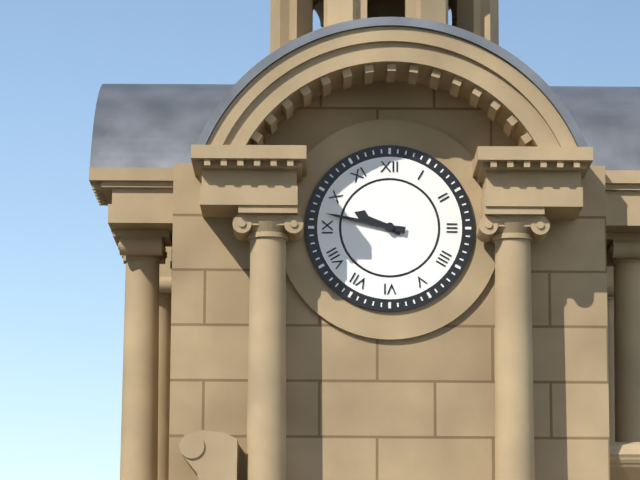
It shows 9.47
